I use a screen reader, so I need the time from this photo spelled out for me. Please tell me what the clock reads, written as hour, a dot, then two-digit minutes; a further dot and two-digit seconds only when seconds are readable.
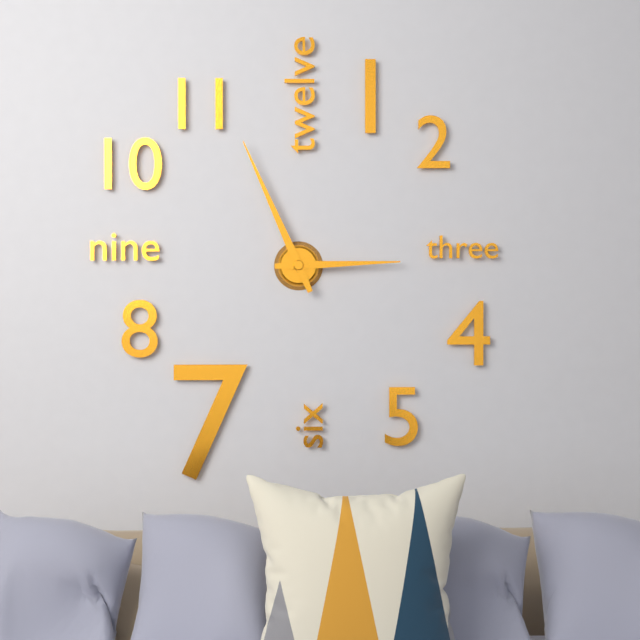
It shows 2.56
